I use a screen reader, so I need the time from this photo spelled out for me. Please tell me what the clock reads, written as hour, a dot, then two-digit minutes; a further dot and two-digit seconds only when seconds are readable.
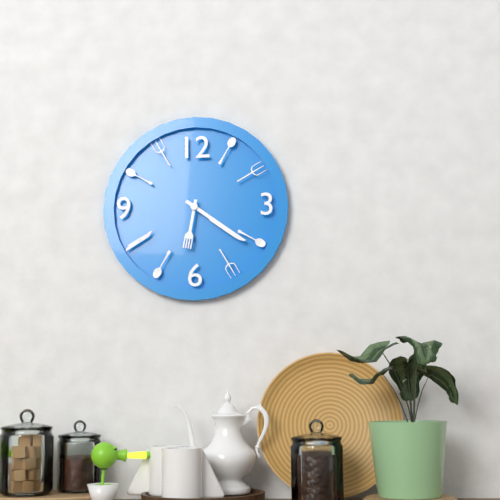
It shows 6.21
